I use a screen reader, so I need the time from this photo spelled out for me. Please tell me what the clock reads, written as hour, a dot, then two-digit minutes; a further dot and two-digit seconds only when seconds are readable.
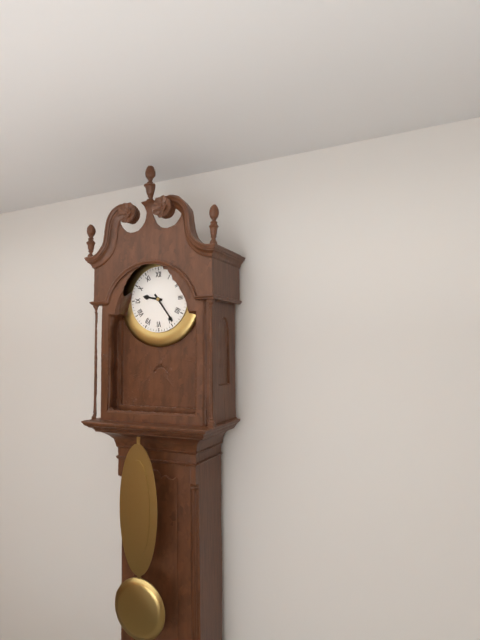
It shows 9.24
